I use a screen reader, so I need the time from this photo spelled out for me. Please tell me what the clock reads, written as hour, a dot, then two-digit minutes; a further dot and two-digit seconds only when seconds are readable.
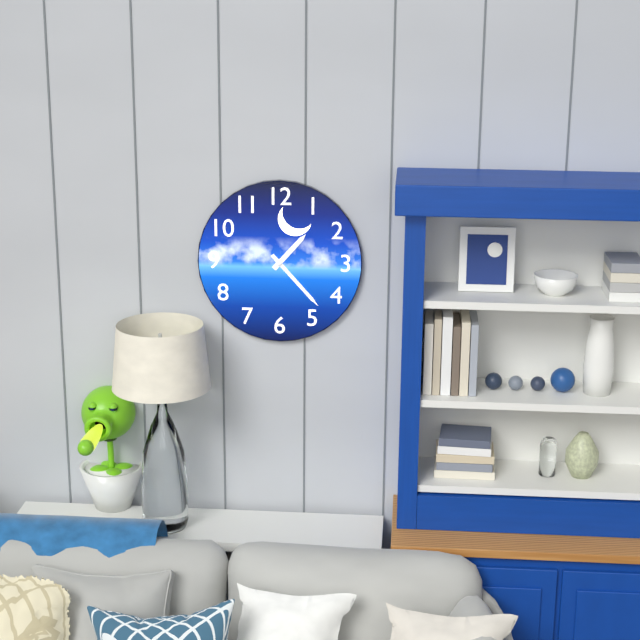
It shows 1.23
